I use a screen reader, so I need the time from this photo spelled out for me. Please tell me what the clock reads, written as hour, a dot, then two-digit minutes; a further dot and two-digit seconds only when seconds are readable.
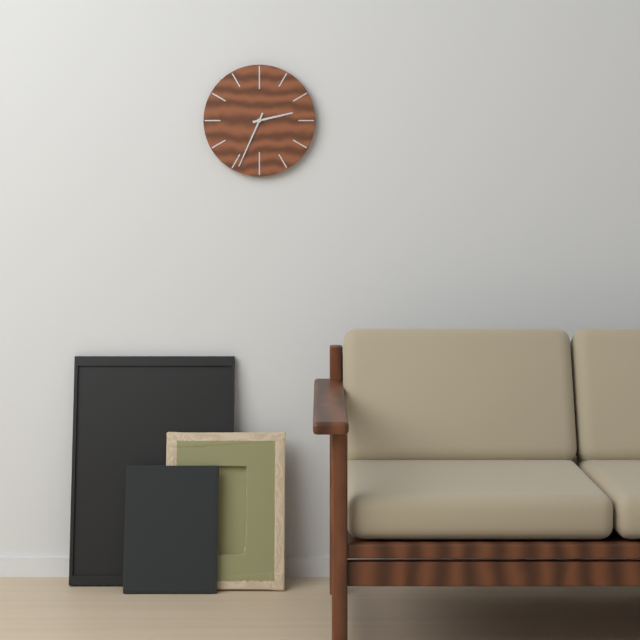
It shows 2.34
